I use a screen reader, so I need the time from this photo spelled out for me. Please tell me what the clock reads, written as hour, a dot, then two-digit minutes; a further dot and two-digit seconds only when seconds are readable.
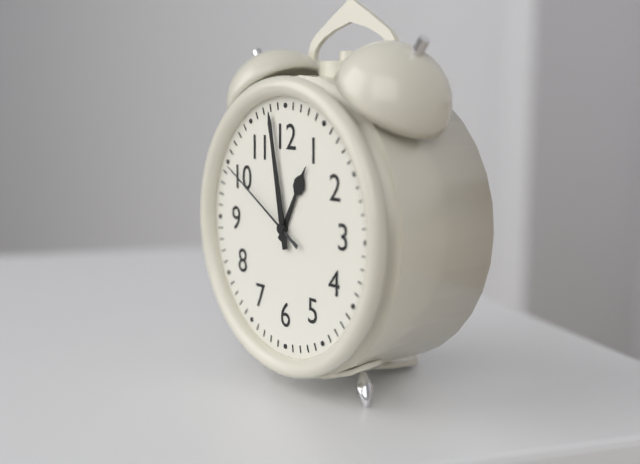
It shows 12.58.50
